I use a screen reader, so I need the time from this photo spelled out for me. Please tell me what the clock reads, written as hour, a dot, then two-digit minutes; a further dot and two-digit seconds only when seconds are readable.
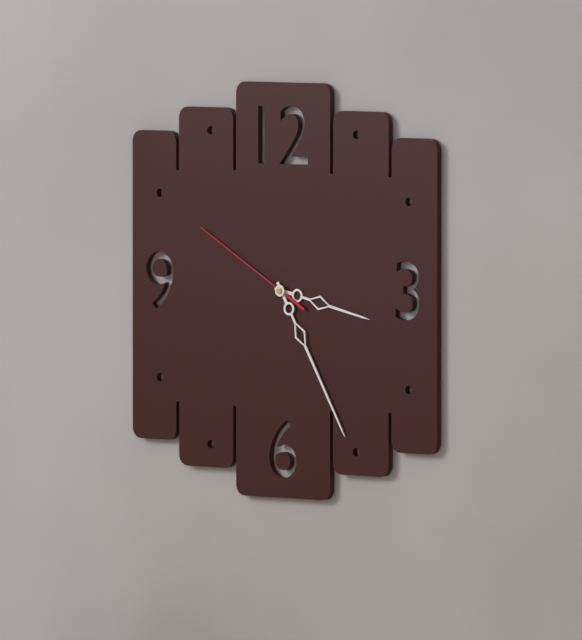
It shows 3.25.50
